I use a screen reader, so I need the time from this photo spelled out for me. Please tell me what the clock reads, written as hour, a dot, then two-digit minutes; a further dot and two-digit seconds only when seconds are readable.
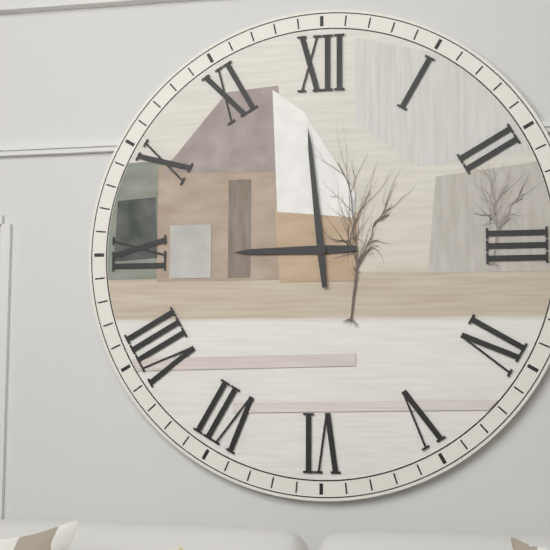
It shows 8.59
